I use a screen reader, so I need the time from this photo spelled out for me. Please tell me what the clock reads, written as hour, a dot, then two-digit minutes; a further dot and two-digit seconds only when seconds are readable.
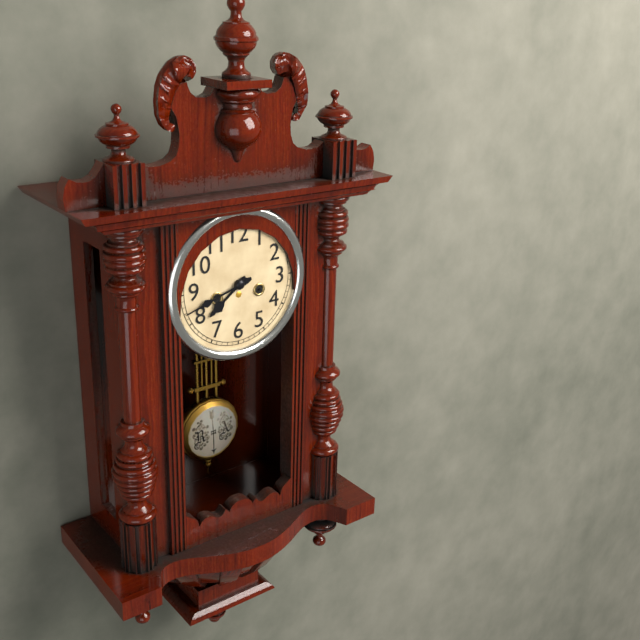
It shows 7.42
